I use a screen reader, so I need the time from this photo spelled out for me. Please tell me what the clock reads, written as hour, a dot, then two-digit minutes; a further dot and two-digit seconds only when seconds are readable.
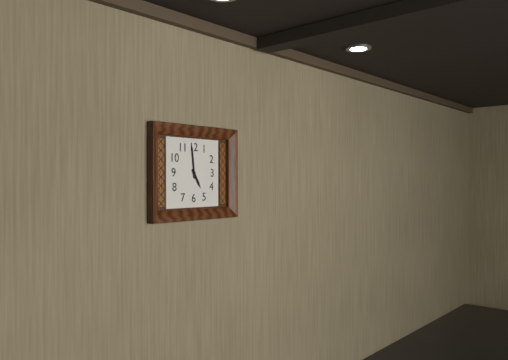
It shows 4.59
